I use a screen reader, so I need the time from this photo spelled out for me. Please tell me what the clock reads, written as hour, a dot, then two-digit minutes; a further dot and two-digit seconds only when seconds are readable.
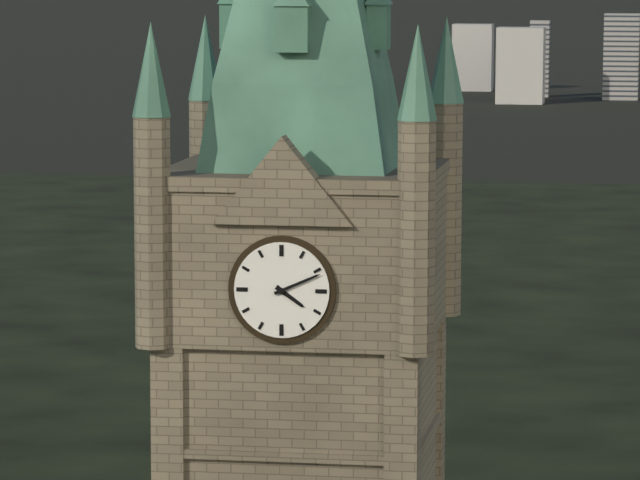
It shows 4.11
